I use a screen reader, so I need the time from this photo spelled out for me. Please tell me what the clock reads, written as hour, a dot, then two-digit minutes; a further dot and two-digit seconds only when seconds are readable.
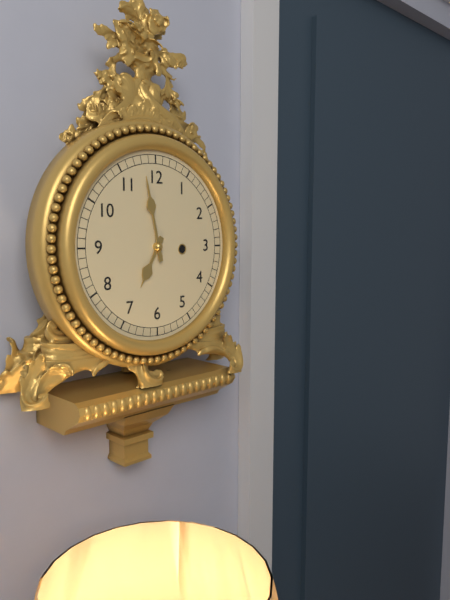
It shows 6.58
